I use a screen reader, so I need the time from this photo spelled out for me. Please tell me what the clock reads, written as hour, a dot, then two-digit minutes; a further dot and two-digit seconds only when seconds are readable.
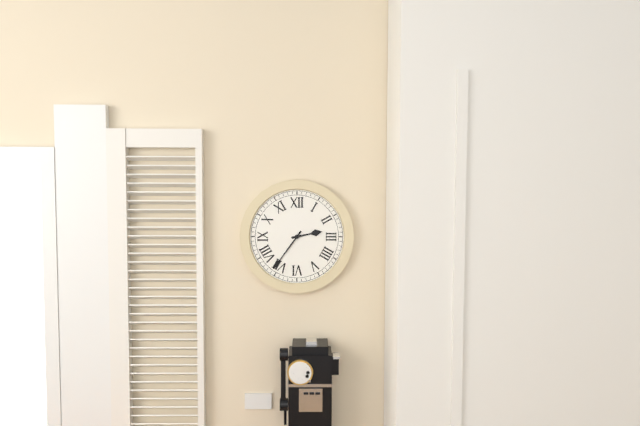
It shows 2.36
